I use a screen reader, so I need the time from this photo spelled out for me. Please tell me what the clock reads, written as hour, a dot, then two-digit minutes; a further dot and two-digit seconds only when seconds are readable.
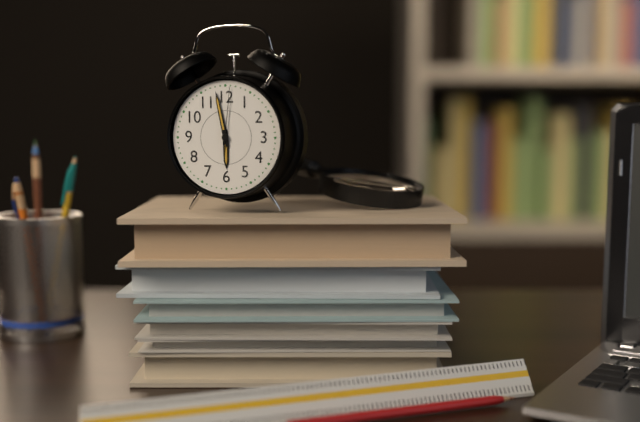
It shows 5.58.01
